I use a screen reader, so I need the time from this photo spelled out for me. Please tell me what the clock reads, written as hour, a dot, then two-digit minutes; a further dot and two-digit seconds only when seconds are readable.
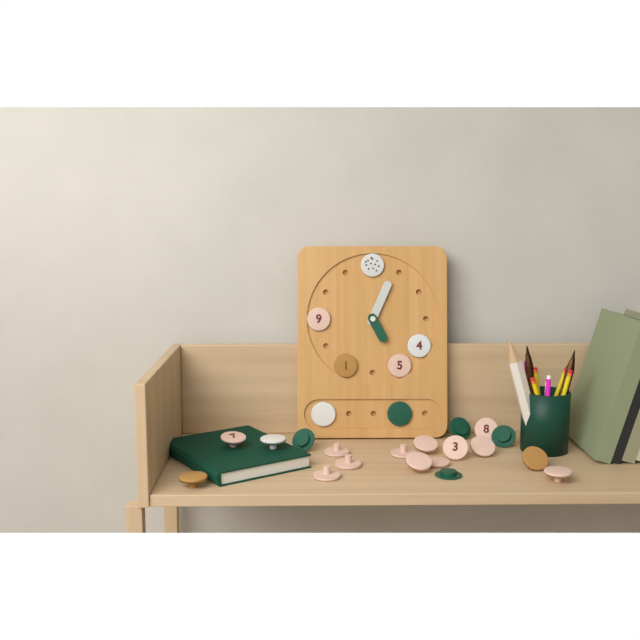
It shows 5.04
